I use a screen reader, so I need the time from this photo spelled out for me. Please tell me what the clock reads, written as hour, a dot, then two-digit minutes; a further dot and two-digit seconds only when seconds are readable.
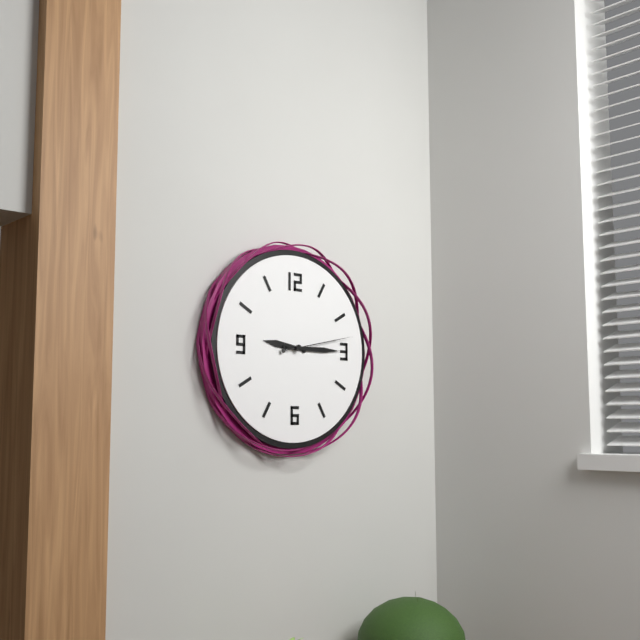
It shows 9.15.13
